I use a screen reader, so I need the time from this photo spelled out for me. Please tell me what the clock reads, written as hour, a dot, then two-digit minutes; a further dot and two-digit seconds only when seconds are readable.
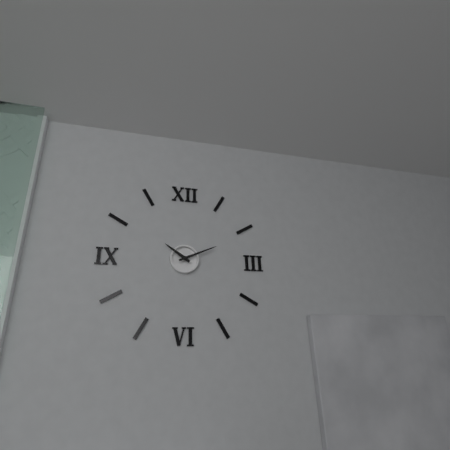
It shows 10.11
